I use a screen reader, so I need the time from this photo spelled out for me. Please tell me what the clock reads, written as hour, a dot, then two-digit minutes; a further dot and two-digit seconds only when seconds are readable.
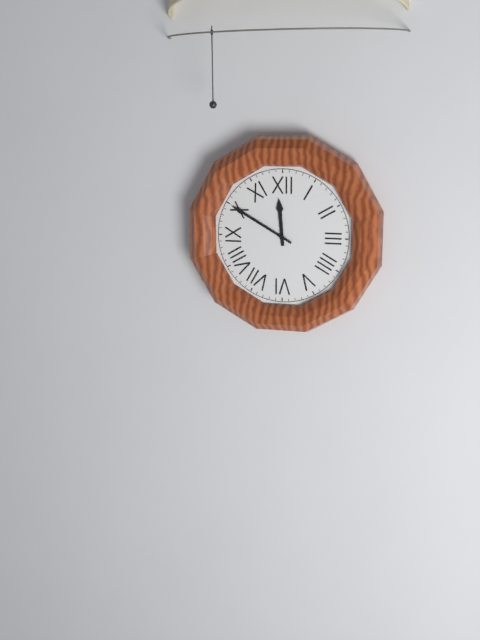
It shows 11.50
